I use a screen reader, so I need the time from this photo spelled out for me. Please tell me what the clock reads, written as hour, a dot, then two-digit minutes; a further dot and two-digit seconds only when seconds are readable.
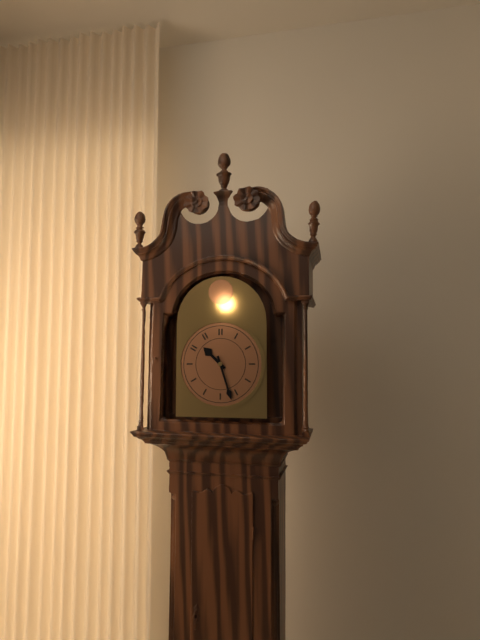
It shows 10.27
